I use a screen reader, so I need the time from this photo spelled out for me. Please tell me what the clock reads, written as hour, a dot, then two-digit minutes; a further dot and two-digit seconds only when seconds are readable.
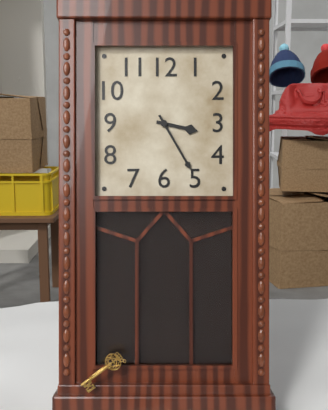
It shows 3.25
